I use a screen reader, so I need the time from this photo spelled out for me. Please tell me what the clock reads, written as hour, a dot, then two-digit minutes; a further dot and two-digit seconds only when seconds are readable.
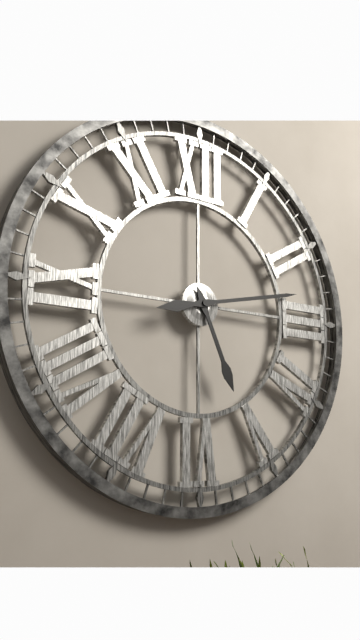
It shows 5.13
